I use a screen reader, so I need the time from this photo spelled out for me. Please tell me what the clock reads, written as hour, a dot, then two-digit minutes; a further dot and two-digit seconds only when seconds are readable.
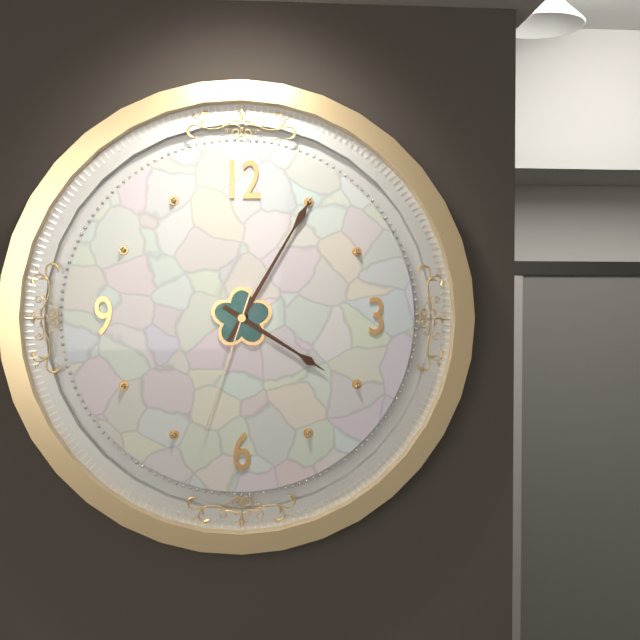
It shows 4.05.33
